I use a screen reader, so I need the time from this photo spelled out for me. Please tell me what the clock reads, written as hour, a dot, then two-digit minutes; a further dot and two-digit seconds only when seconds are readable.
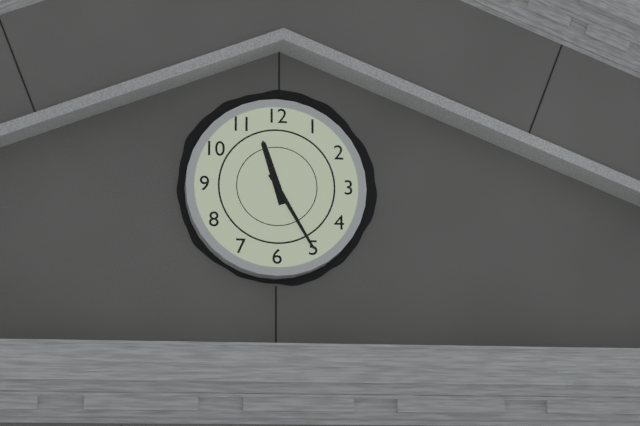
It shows 11.25
